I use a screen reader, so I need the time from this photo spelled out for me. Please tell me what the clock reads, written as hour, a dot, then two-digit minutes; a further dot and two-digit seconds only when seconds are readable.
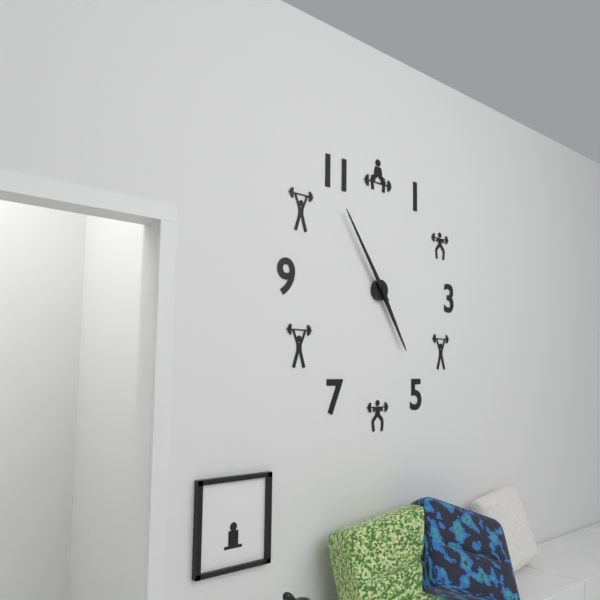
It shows 4.54
